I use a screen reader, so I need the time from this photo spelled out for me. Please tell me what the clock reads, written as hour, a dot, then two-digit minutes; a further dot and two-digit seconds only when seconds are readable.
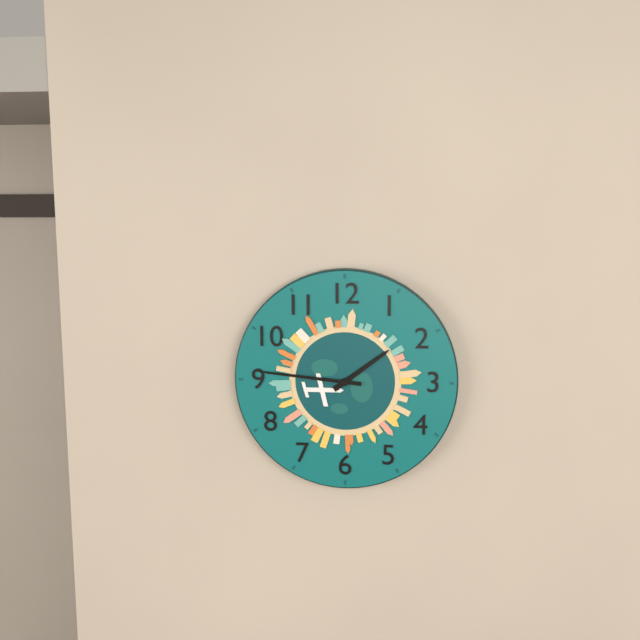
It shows 1.46
